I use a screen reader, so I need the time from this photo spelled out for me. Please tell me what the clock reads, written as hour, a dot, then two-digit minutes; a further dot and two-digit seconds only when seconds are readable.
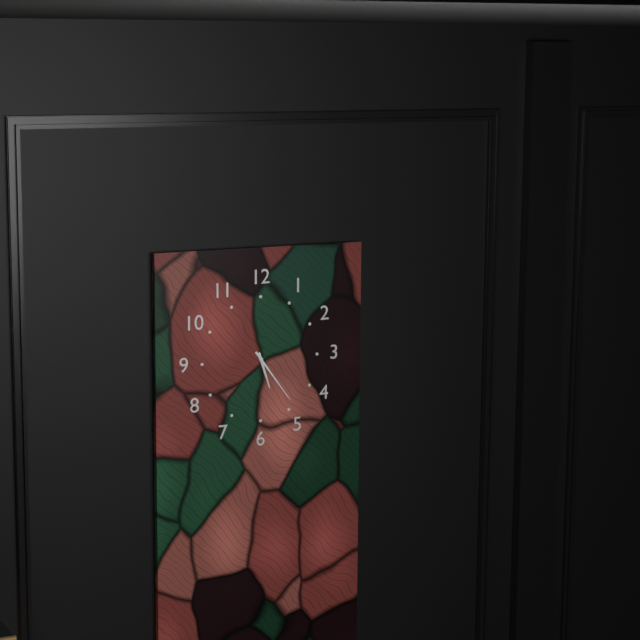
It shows 5.24
